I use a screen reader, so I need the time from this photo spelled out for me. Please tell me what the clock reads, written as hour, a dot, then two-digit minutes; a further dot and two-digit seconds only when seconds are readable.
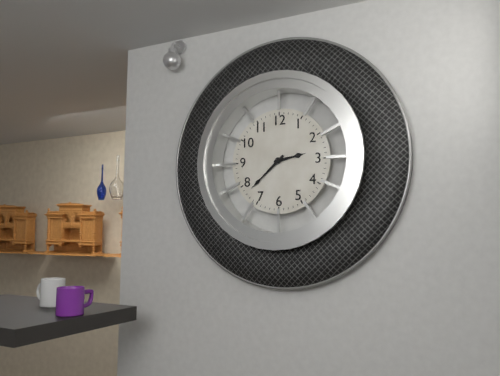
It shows 2.38
